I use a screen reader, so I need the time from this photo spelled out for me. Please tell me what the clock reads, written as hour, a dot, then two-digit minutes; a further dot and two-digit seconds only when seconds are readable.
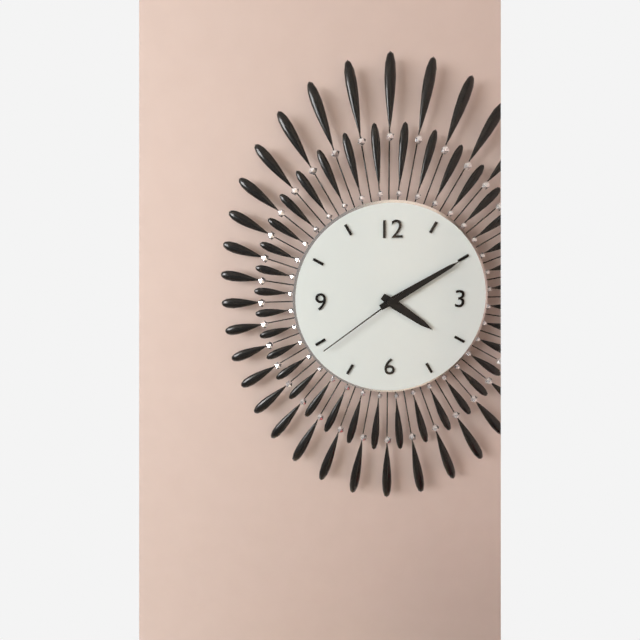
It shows 4.10.39
